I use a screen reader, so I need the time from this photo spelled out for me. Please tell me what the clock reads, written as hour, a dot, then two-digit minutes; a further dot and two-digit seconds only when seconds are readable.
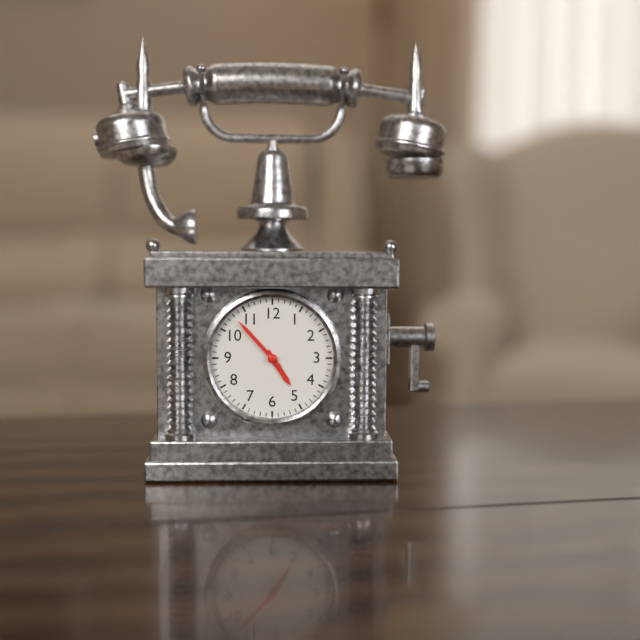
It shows 4.53
